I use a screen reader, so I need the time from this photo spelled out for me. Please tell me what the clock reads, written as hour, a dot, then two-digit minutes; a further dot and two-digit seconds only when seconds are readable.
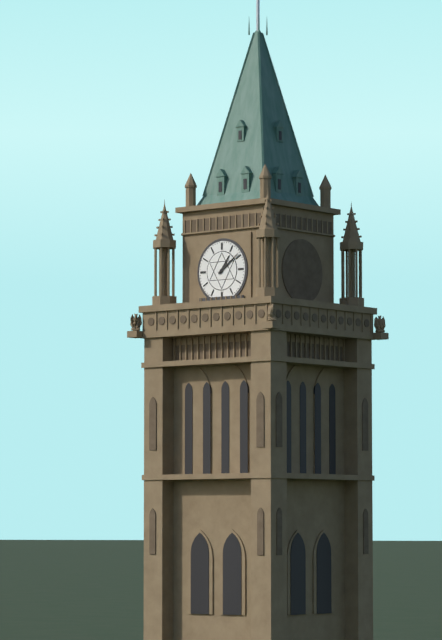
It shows 1.09
